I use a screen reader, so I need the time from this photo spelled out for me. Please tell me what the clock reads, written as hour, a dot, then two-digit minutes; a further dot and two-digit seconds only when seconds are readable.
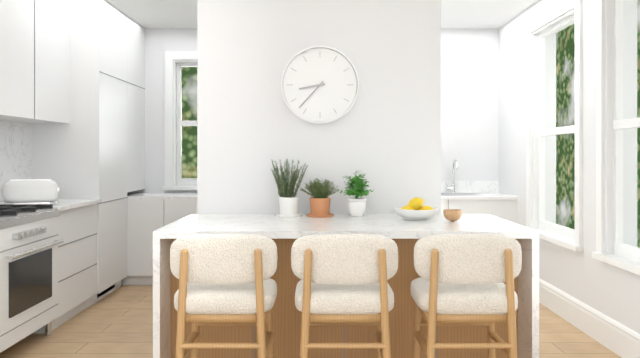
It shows 8.37
